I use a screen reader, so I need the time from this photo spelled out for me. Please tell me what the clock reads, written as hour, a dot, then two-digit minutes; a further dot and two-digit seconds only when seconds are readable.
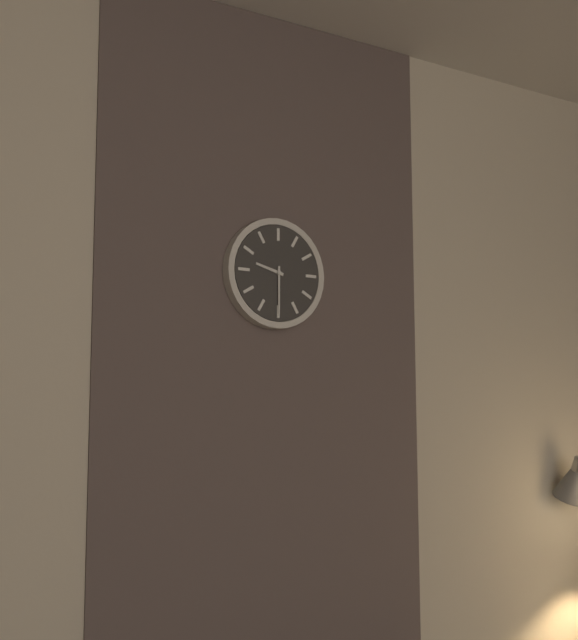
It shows 9.30
